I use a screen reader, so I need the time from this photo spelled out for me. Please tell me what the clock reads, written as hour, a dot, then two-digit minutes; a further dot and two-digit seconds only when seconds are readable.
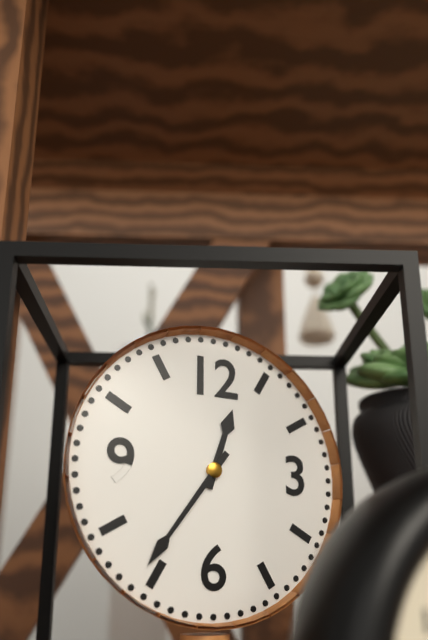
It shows 12.36
